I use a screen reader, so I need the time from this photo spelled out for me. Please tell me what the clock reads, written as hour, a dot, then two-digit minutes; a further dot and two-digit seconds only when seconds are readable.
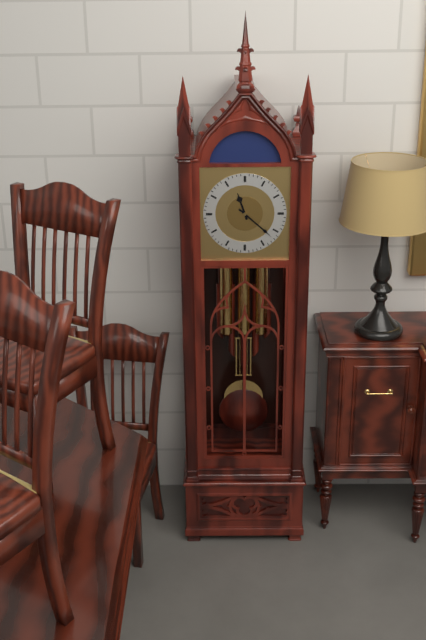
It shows 11.22
